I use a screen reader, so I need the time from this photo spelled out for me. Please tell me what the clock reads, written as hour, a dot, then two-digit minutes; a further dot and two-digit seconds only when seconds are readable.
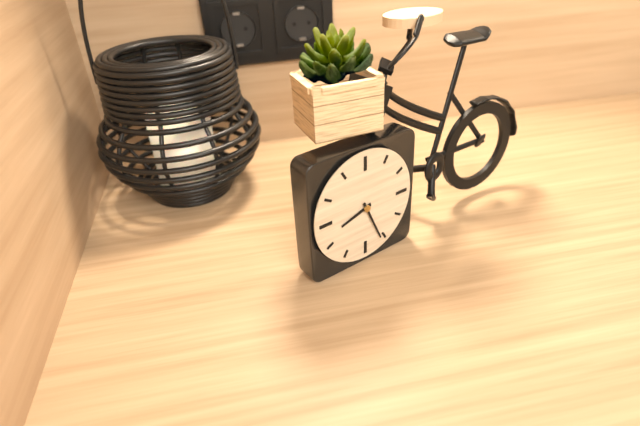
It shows 8.26
